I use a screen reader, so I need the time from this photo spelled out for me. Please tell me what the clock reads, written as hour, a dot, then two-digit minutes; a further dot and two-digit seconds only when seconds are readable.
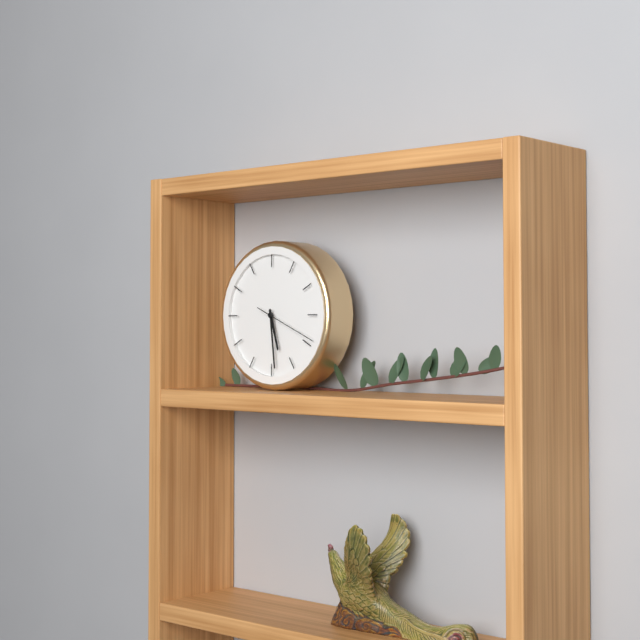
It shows 5.29.19
